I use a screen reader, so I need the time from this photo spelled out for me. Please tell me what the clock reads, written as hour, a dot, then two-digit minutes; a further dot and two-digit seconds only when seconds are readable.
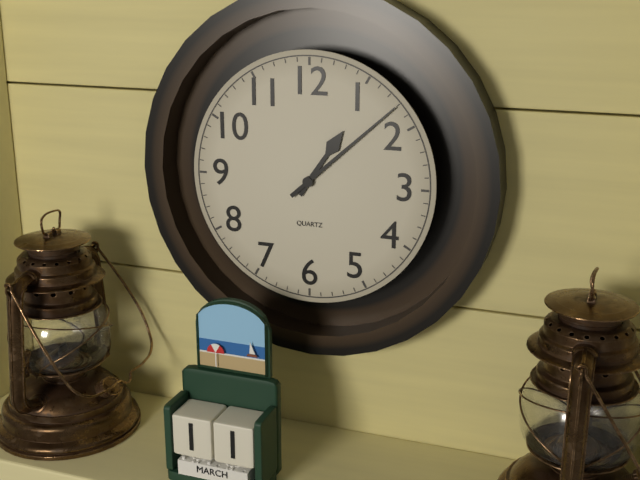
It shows 1.08
